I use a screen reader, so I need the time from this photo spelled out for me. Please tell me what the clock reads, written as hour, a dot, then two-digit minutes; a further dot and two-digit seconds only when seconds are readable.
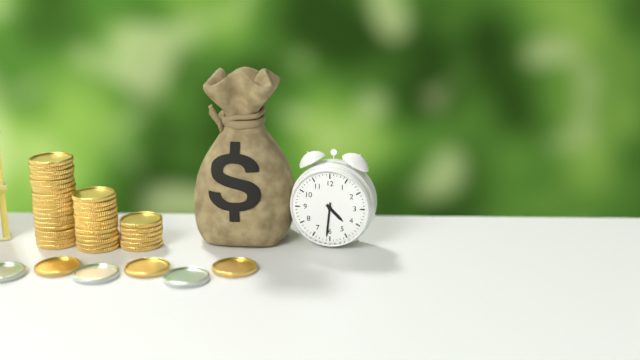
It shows 4.31
